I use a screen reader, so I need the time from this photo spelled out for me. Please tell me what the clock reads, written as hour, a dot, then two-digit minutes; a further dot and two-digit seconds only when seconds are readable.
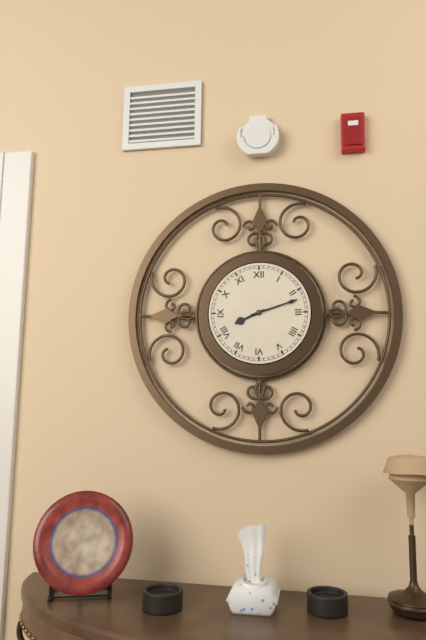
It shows 8.12
